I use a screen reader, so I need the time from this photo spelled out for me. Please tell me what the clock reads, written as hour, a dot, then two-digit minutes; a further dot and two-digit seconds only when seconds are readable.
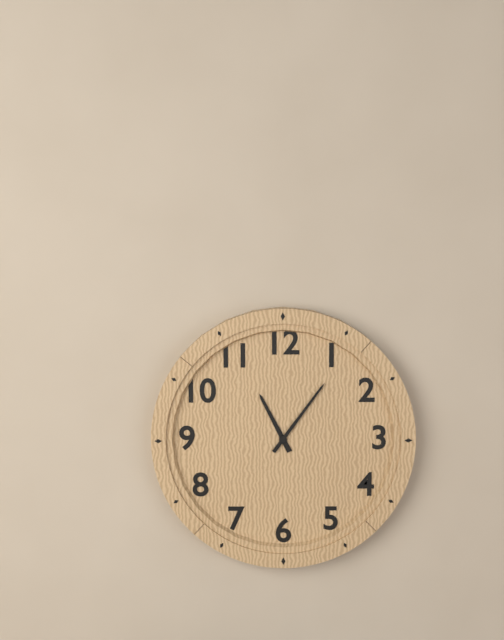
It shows 11.06
